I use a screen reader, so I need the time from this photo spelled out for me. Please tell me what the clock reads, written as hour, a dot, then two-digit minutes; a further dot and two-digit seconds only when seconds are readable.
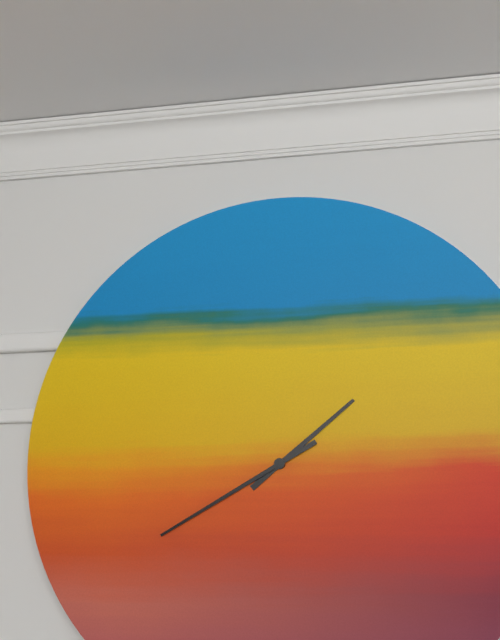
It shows 1.40
